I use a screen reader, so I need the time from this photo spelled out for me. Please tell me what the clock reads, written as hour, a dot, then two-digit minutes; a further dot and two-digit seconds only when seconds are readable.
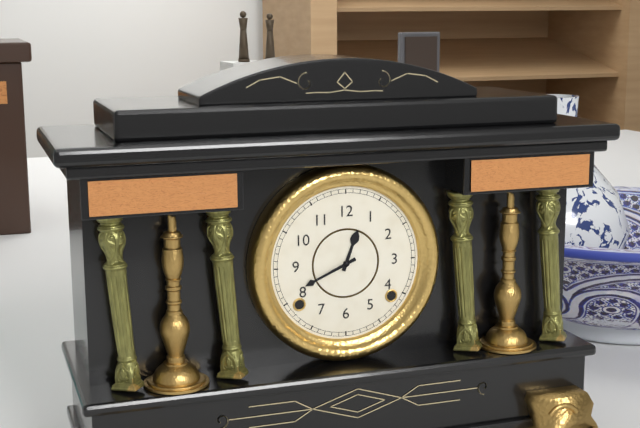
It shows 12.41
